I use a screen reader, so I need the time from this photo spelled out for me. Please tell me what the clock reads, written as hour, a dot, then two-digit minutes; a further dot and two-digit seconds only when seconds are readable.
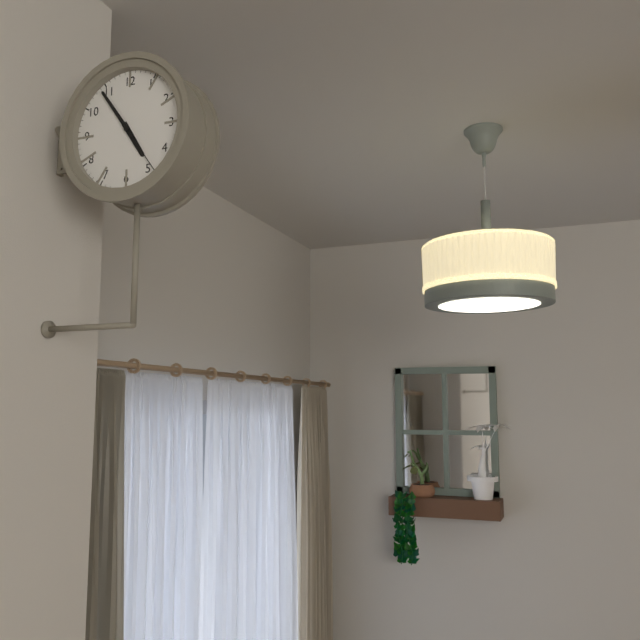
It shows 4.54.24
